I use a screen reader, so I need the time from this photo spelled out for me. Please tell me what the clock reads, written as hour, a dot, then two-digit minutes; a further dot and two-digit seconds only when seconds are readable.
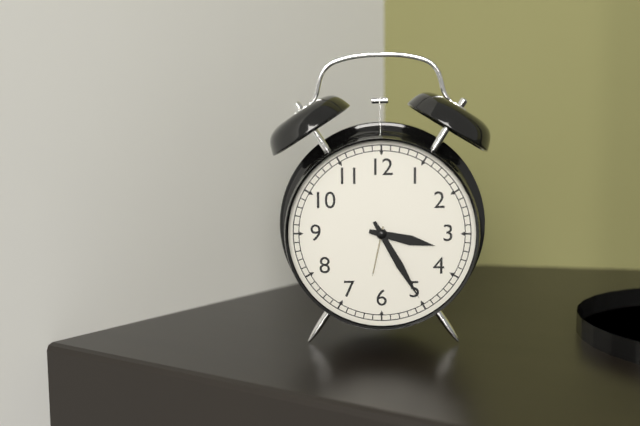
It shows 3.25
